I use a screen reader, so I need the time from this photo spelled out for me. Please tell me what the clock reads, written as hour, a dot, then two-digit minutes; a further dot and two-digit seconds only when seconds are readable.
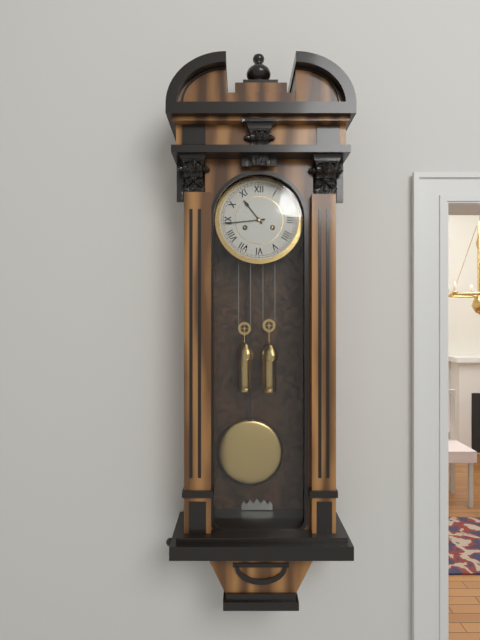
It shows 10.44
